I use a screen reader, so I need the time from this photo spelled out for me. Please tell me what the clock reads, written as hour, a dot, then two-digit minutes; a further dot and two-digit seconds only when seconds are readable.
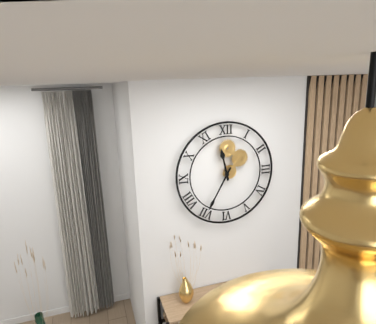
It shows 11.35
